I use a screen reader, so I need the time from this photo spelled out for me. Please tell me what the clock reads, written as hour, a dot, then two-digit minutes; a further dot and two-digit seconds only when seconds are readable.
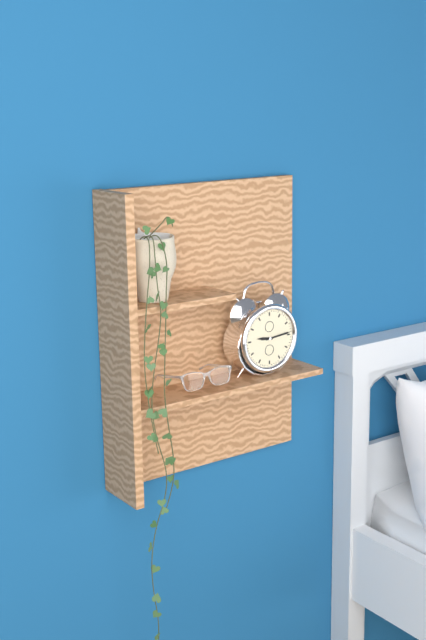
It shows 9.14
